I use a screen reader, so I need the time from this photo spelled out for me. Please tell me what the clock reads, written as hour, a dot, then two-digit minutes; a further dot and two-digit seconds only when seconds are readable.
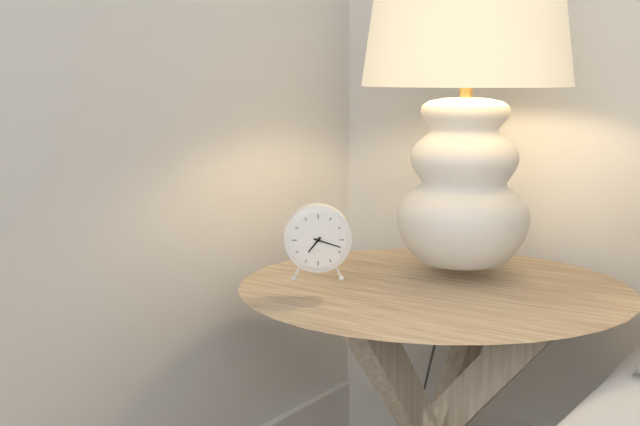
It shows 7.18
